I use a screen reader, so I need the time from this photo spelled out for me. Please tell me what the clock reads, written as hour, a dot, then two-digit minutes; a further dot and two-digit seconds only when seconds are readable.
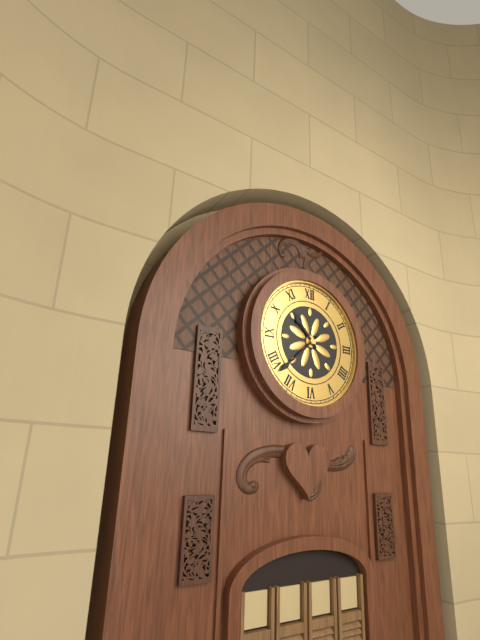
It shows 10.38
